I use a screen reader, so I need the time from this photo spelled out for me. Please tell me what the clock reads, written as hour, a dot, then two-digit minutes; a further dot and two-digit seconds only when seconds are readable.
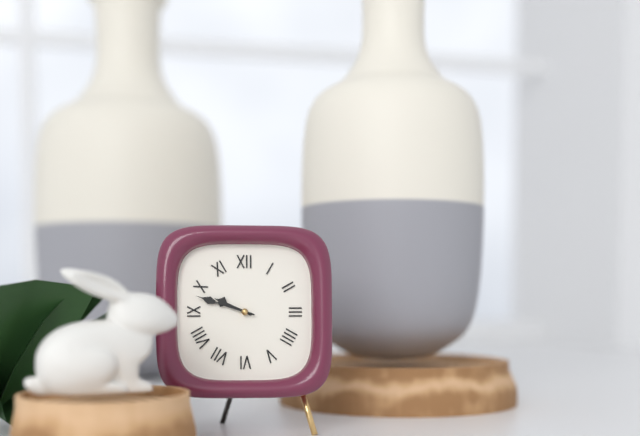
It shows 9.48
